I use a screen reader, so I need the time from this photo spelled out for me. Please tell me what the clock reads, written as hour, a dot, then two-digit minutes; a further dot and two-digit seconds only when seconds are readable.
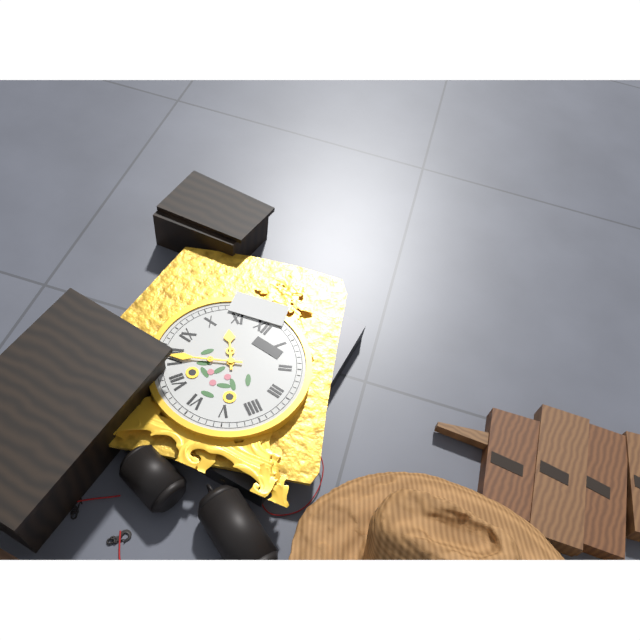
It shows 10.40
